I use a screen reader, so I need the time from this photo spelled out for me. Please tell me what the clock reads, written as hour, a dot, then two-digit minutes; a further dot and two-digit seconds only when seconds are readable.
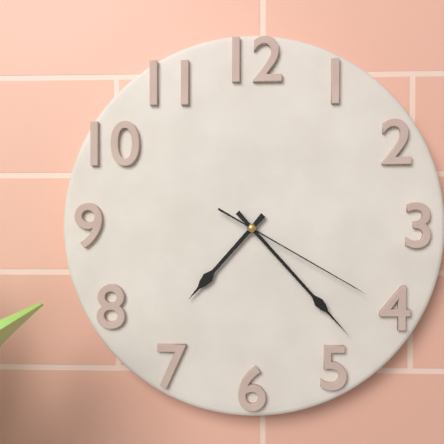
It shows 7.23.20
